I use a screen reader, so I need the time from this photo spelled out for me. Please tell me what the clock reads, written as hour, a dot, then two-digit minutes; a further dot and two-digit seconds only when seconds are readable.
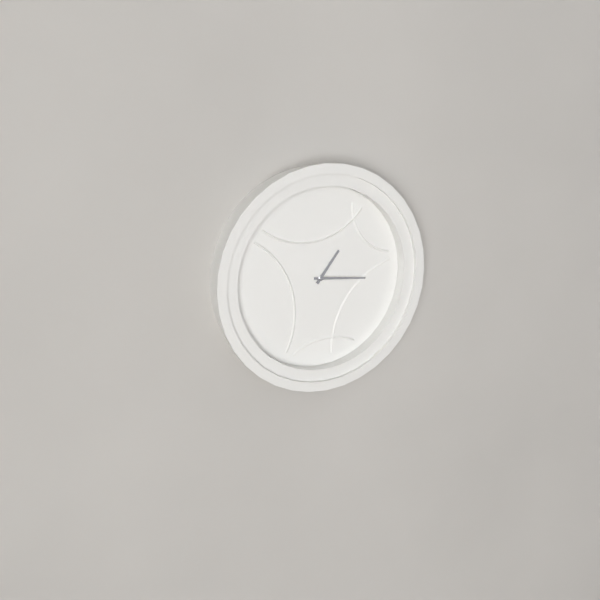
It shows 1.16
